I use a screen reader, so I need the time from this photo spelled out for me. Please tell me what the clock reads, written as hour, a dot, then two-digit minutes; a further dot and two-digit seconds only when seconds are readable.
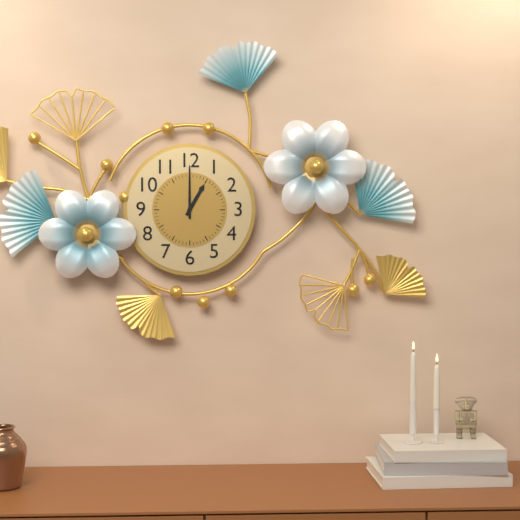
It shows 1.00
